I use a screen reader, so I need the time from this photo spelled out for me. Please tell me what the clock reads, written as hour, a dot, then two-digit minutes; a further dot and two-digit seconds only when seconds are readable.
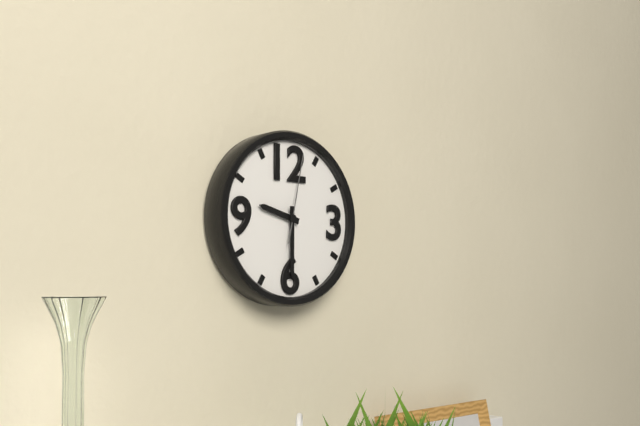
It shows 9.30.02
